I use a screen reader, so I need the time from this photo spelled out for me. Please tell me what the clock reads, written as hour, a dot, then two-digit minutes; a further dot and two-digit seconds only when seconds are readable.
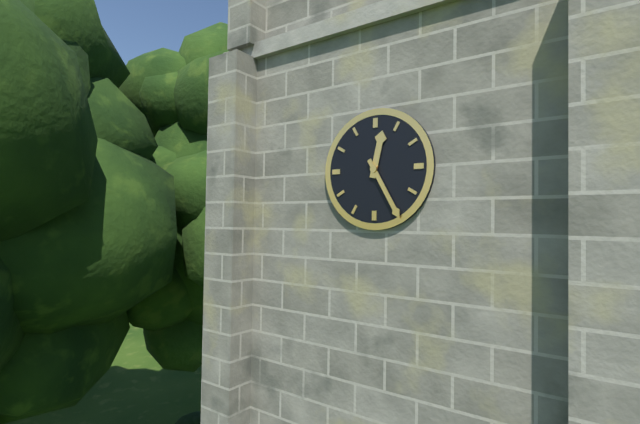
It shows 12.25
